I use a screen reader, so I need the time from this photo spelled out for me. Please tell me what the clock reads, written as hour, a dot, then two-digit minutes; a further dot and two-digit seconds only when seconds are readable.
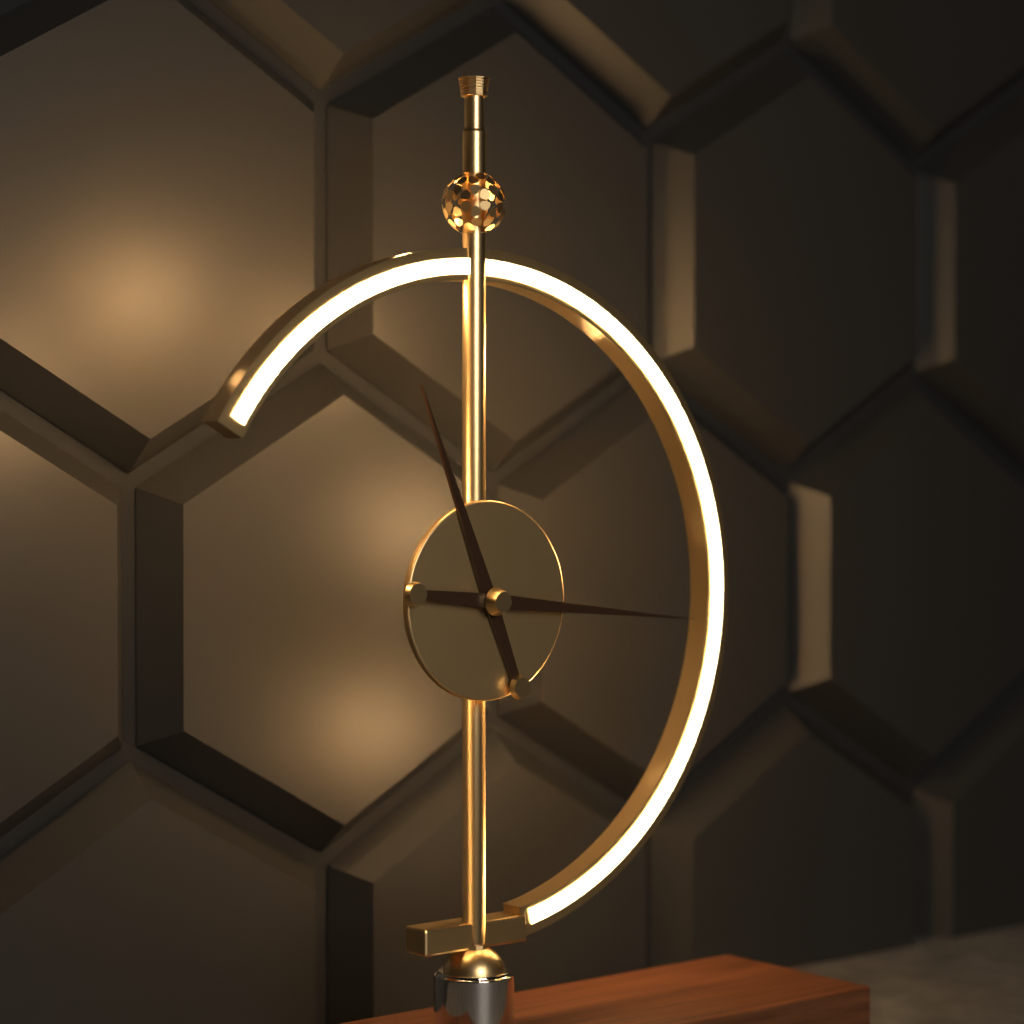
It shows 11.16
